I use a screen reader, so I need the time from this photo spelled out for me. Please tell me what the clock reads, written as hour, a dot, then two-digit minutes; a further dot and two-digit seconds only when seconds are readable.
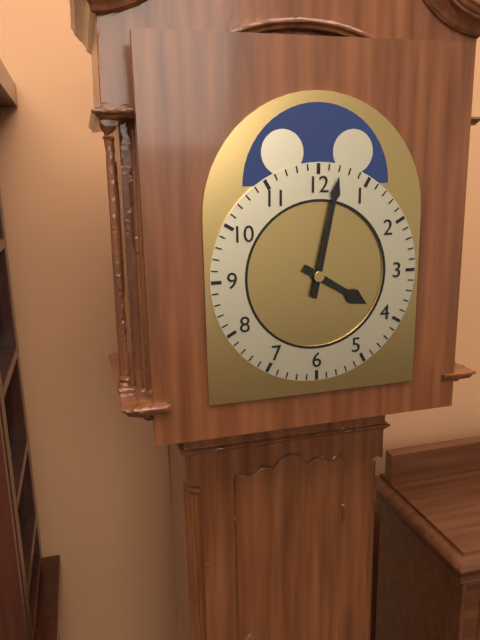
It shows 4.02
